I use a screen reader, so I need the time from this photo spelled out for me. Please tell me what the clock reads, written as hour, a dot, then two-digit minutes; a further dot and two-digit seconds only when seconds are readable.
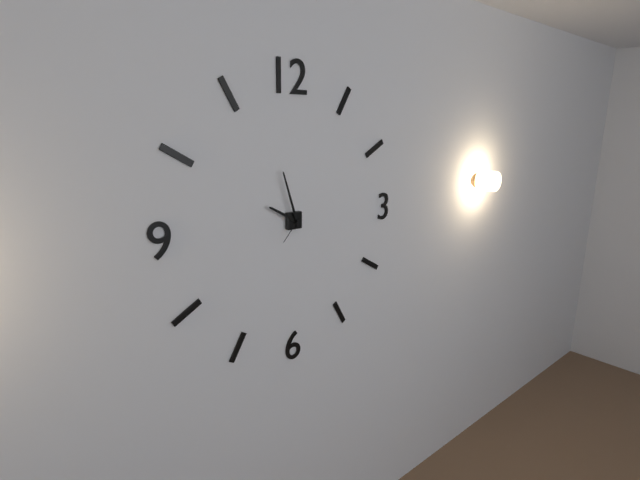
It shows 9.57
